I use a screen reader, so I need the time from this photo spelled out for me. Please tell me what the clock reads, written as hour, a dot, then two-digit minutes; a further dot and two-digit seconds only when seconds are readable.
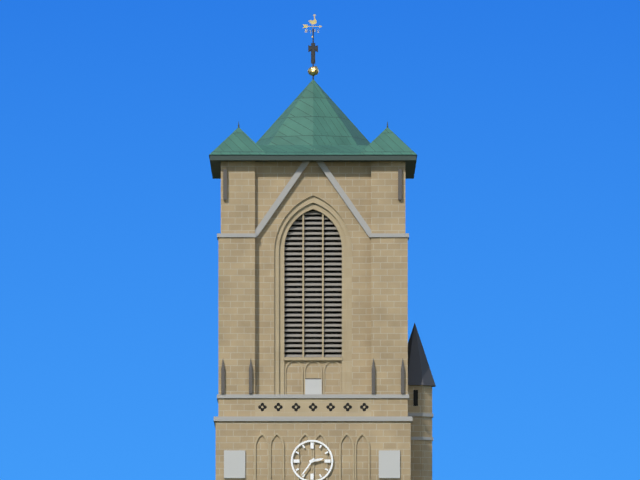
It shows 2.36
